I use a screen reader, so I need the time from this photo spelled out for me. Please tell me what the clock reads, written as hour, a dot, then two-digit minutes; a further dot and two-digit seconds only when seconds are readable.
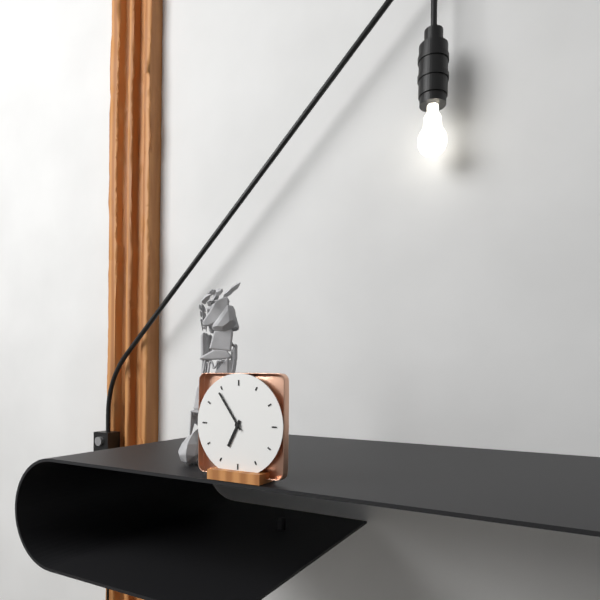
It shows 6.54
